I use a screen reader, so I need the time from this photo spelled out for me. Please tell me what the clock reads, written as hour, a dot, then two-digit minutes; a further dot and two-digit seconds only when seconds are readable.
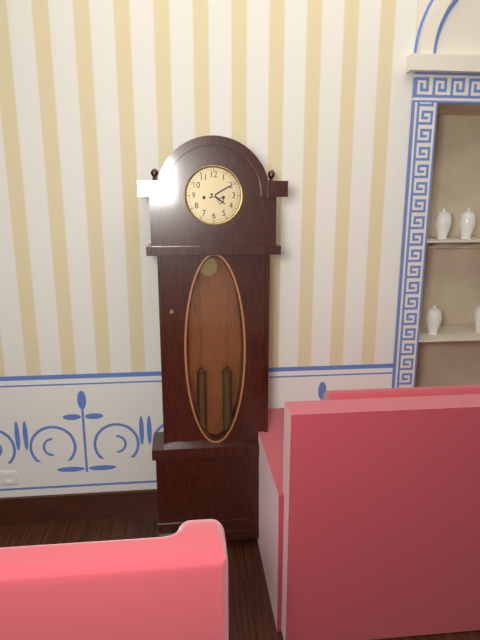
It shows 4.10
